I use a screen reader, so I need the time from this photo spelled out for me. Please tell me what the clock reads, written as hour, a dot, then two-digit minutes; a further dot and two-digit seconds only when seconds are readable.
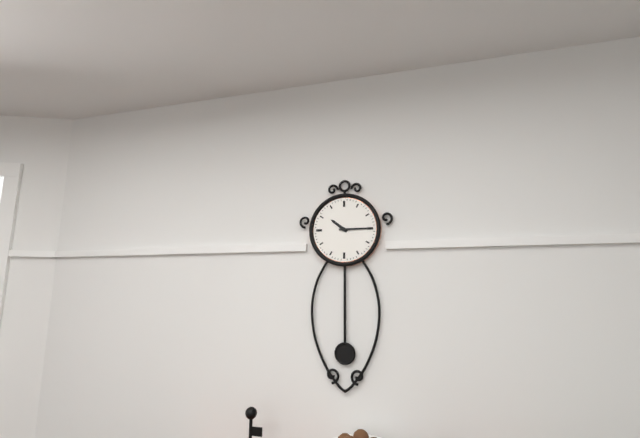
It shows 10.15
